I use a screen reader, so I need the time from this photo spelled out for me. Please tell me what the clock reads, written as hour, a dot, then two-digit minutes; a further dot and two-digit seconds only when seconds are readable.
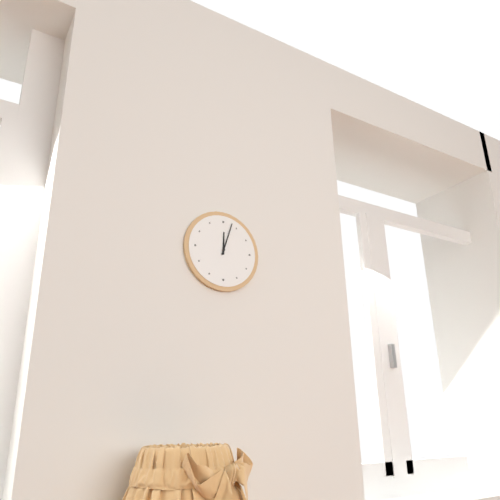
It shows 12.03
